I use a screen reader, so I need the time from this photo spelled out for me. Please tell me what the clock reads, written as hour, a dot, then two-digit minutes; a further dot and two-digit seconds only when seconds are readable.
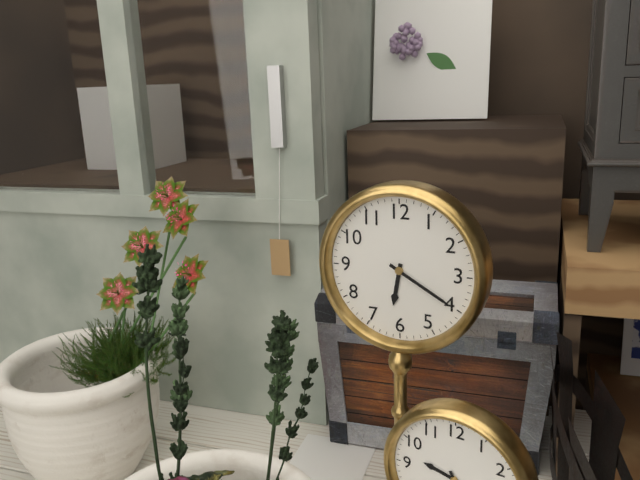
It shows 6.20
